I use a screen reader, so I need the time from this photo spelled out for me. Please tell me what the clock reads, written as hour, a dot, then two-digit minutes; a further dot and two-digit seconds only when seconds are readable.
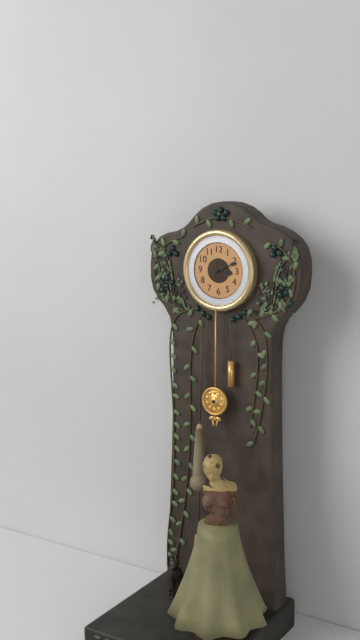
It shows 3.11
